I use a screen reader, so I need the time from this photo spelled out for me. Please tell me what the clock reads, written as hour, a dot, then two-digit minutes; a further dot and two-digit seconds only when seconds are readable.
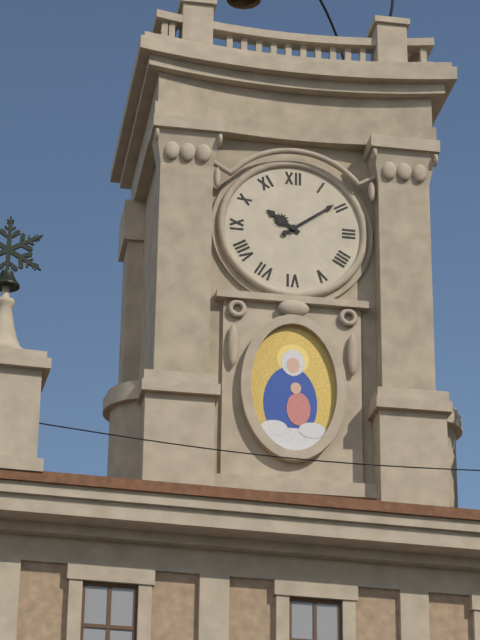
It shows 10.09
